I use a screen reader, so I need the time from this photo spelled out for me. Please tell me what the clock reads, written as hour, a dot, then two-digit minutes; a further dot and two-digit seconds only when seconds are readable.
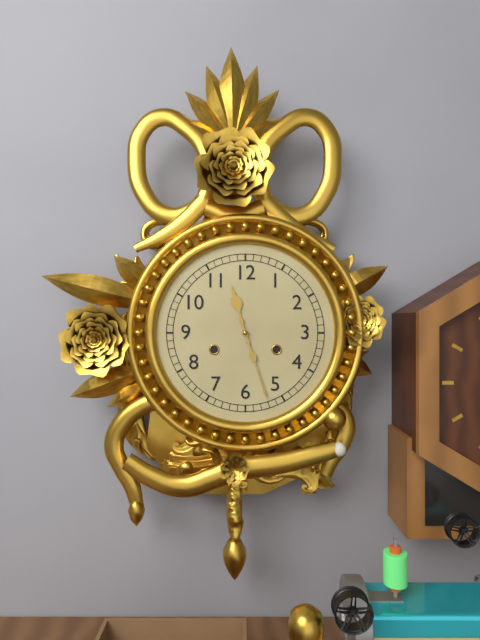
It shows 11.27
